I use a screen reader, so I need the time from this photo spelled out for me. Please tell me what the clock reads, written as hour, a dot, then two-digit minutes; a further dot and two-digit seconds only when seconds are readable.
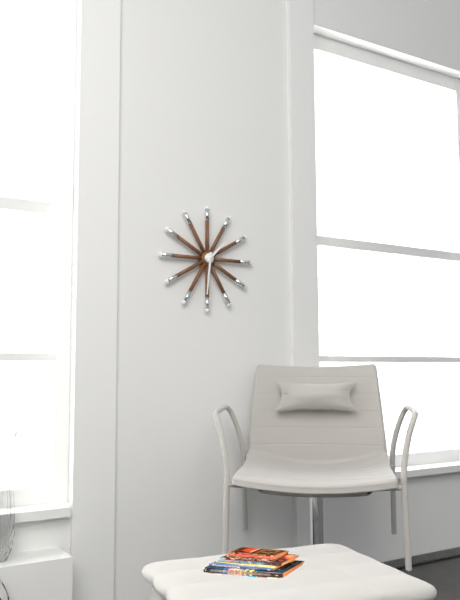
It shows 1.31
